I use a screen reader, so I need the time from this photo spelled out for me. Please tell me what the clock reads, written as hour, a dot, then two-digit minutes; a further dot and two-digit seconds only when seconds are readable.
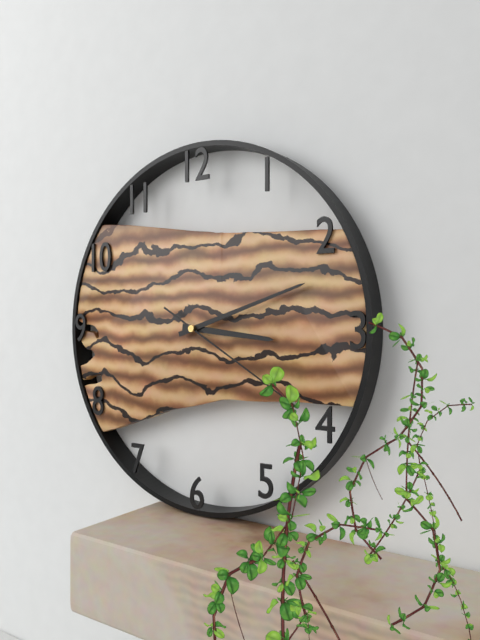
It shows 3.12.20
